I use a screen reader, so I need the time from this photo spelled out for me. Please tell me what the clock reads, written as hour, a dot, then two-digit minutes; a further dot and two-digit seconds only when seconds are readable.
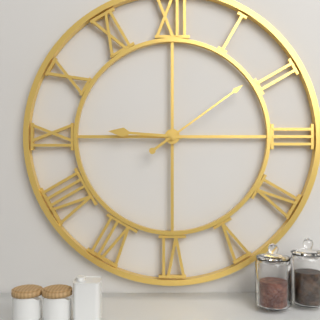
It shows 9.09
